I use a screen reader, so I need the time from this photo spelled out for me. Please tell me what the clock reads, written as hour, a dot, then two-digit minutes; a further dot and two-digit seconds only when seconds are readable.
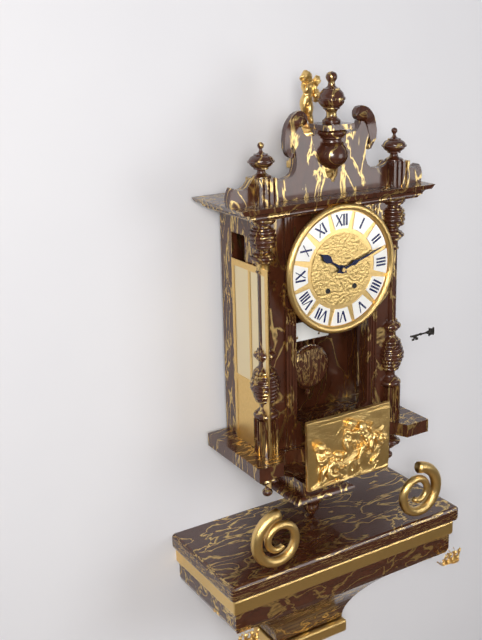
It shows 10.12
